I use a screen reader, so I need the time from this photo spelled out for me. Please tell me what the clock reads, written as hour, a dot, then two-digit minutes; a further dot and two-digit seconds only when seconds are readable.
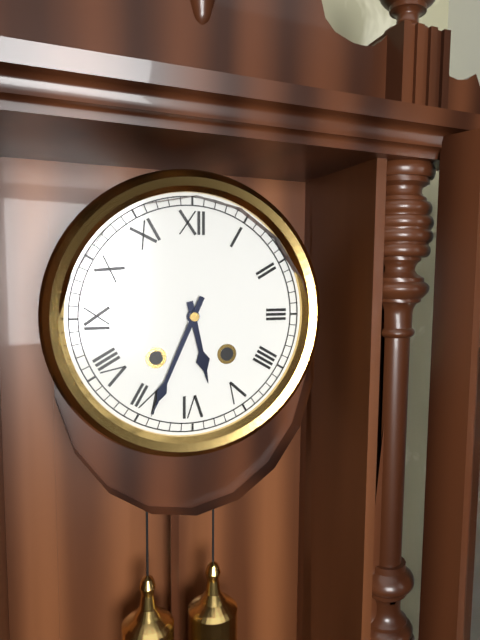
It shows 5.34
